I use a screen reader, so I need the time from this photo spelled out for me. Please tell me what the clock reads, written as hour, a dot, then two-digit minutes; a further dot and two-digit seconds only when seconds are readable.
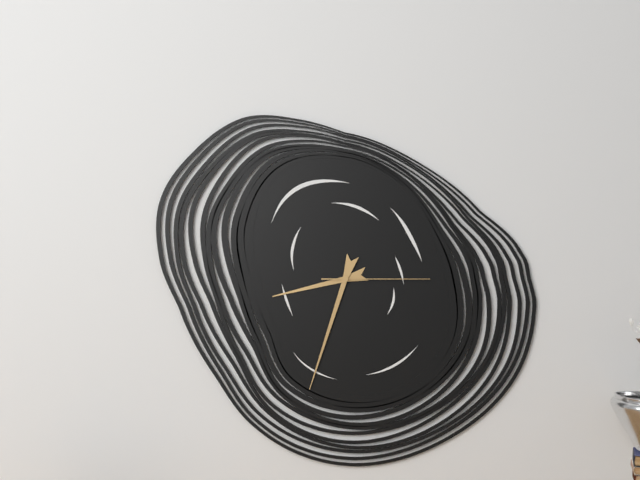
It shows 8.33.15
